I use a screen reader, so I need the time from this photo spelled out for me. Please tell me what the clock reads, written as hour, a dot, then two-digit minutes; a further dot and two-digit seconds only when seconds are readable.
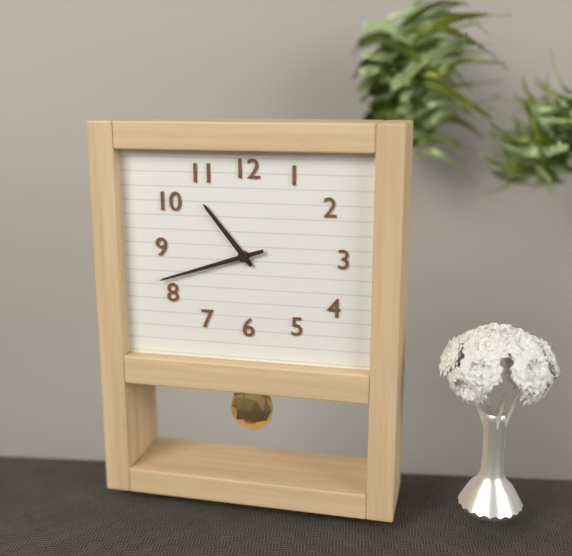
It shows 10.42
